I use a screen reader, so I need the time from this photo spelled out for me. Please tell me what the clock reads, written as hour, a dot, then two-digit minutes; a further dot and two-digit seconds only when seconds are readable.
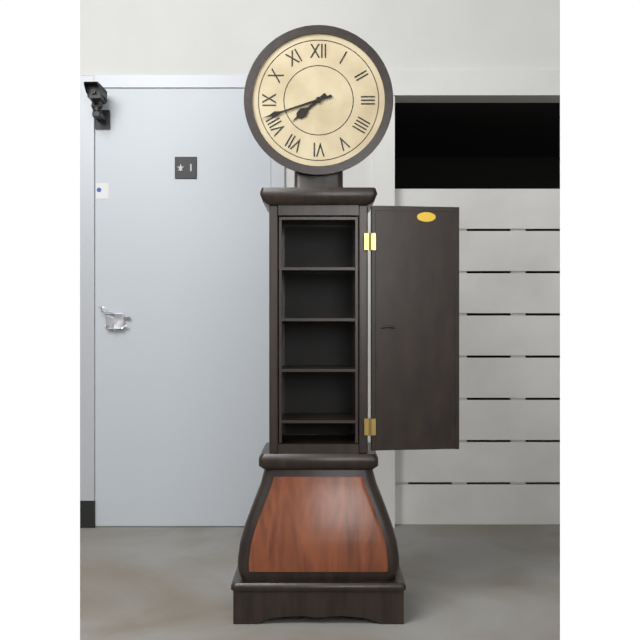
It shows 7.42
